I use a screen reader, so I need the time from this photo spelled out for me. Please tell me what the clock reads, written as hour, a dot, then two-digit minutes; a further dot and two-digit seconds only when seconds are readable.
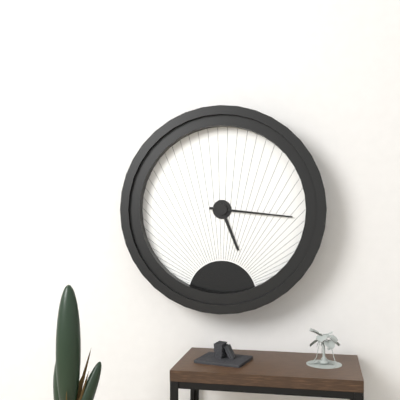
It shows 5.16
